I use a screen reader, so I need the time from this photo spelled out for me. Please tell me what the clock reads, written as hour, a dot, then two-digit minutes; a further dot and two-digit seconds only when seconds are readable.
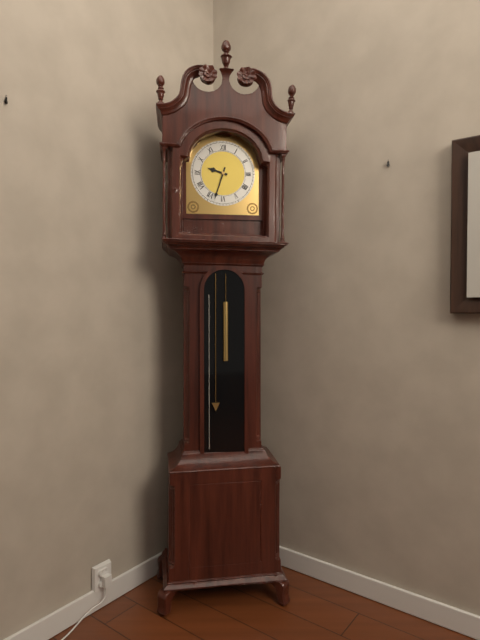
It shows 9.33
